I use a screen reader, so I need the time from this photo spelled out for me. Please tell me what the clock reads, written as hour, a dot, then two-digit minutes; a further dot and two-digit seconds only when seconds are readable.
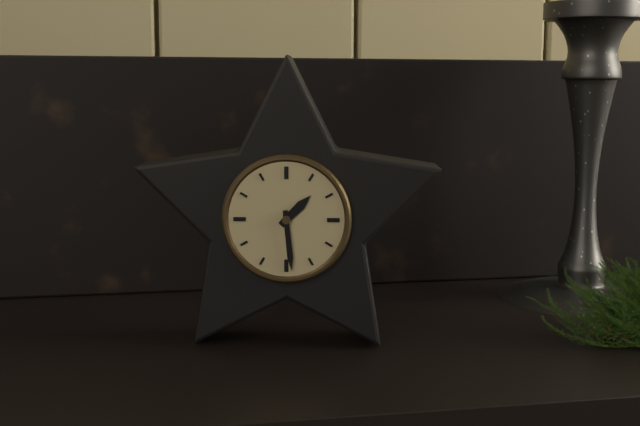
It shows 1.29
